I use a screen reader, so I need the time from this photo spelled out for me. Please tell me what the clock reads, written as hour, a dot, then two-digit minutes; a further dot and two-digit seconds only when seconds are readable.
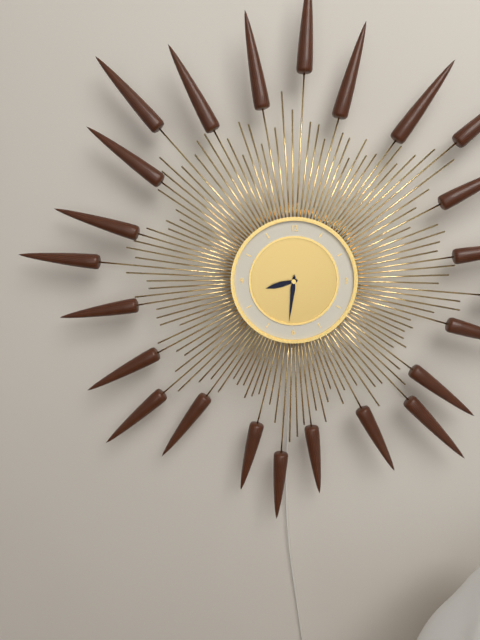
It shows 8.31
